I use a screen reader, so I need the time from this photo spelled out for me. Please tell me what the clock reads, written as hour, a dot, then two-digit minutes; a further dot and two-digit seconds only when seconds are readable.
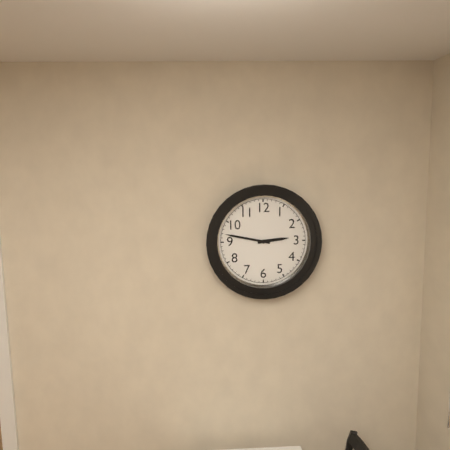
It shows 2.47
